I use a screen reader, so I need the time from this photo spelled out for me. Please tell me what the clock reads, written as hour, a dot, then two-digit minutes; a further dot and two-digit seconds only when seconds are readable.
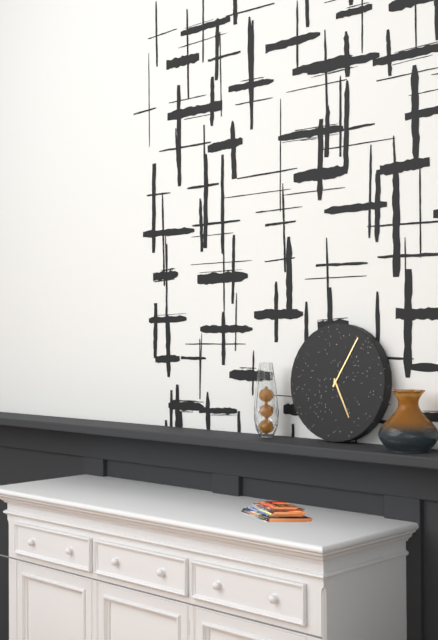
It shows 5.05
